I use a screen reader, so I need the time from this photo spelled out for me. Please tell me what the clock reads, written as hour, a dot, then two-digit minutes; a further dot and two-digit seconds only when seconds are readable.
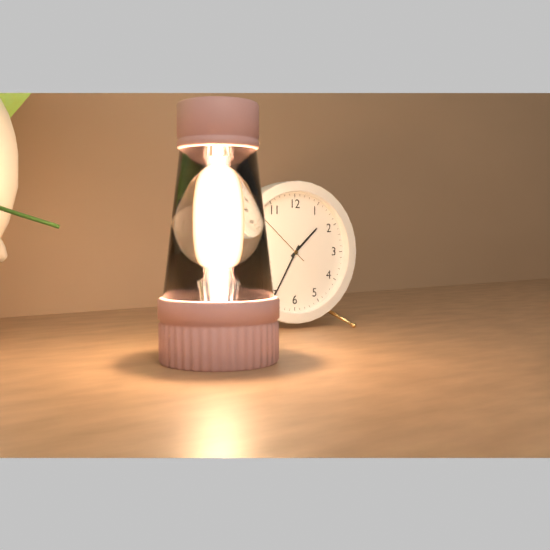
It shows 1.35.52
